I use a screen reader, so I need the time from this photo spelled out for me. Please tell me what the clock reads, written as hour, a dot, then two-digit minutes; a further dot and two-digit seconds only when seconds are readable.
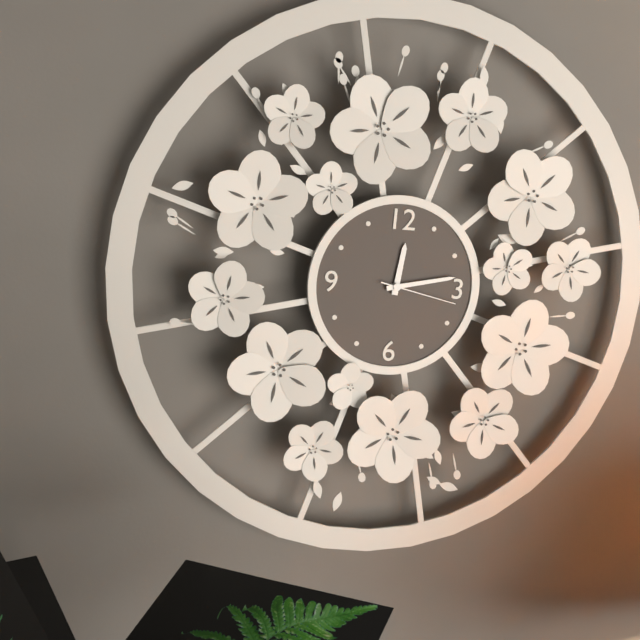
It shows 12.13.17
